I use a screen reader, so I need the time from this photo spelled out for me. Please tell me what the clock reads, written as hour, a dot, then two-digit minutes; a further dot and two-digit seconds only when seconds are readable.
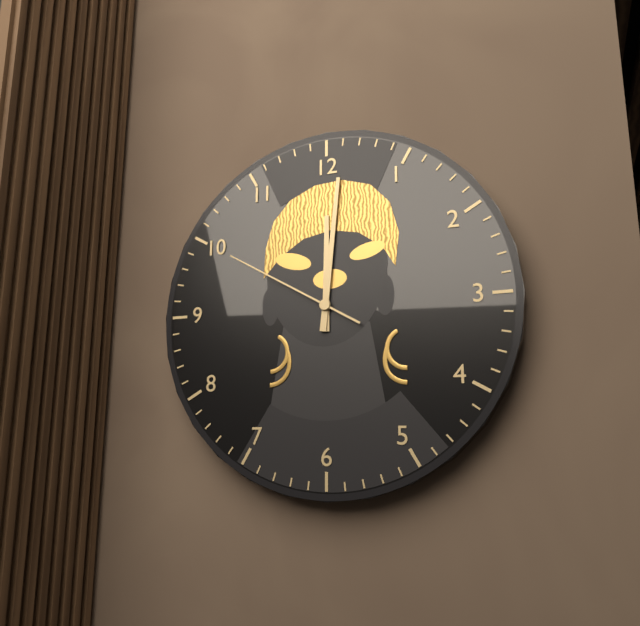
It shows 12.01.50
